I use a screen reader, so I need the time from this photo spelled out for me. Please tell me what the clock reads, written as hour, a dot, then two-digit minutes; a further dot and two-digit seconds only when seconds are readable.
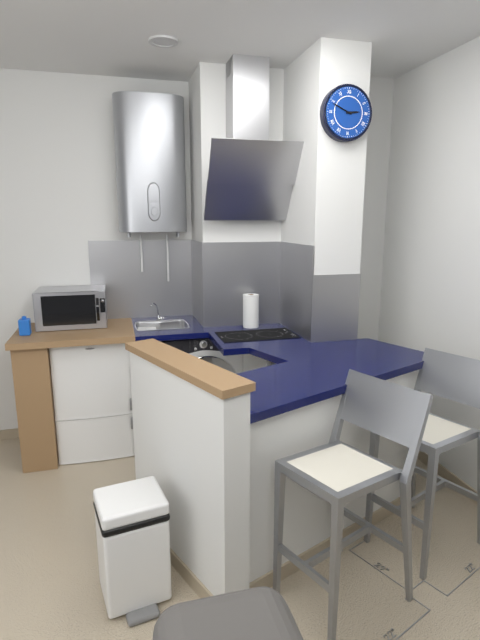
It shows 2.49
